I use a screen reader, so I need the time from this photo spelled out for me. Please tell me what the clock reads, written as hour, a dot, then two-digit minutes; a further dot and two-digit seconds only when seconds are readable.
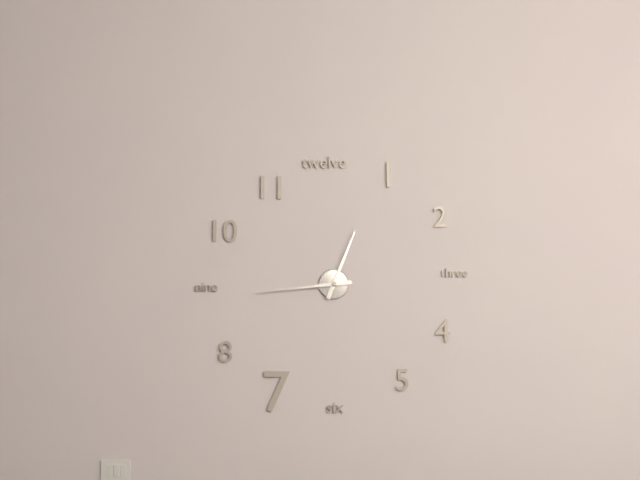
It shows 12.44
